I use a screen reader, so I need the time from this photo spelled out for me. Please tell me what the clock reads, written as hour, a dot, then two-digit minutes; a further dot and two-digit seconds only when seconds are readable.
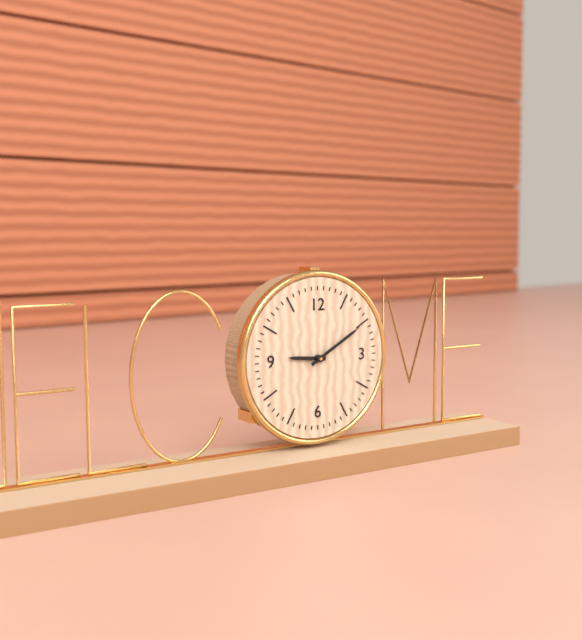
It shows 9.10
